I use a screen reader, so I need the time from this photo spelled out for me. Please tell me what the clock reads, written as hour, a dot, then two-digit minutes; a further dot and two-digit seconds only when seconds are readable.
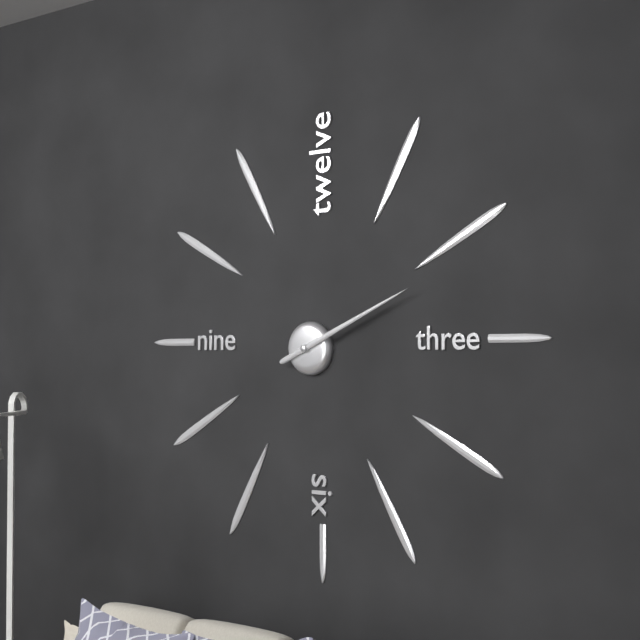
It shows 2.11
